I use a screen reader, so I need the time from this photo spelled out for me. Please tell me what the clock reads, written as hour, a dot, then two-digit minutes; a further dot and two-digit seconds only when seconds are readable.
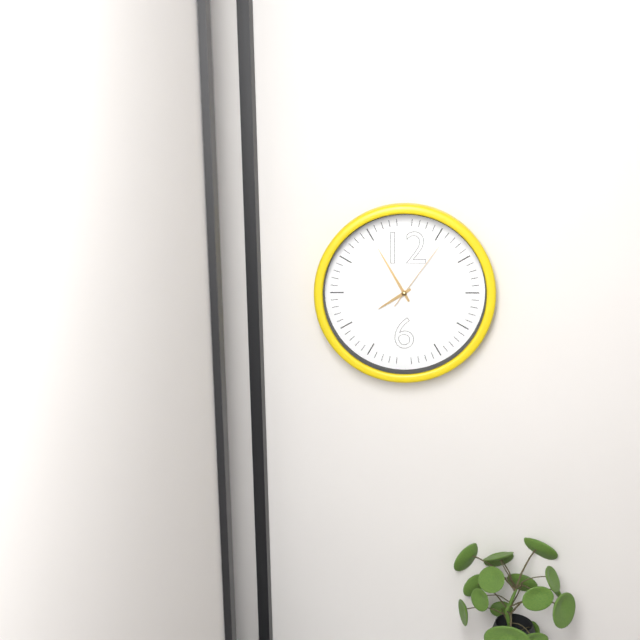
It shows 7.55.06
